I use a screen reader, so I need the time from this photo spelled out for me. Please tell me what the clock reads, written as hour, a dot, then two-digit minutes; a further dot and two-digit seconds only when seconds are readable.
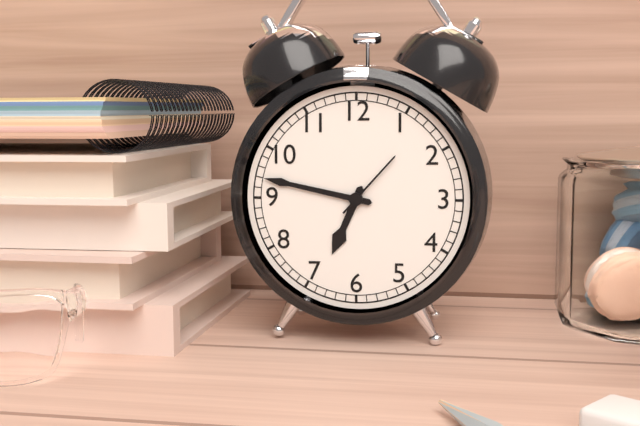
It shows 6.47.07
